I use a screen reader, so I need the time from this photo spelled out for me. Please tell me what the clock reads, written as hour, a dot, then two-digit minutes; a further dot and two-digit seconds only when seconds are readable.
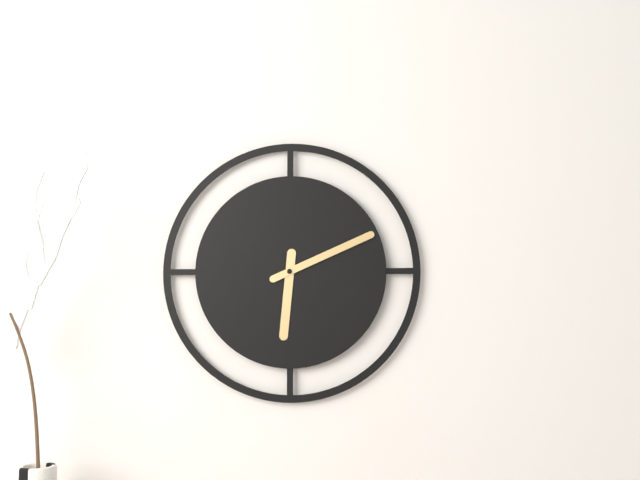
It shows 6.11
